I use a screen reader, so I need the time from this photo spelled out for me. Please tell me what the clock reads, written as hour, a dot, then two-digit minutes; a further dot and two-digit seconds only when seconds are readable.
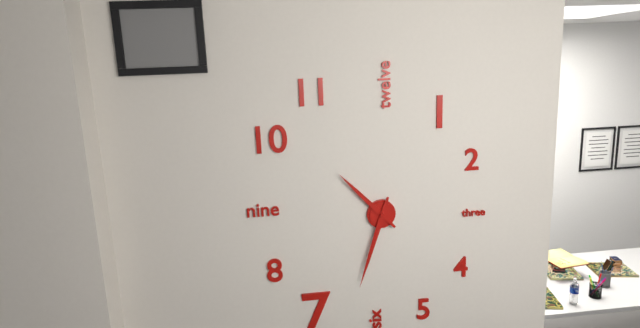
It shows 10.33
